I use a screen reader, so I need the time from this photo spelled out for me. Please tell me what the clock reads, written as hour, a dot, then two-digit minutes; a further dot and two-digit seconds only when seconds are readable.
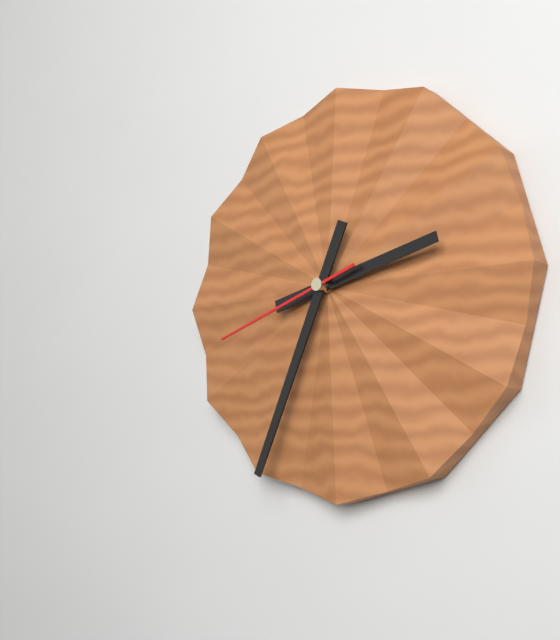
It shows 2.34.42
